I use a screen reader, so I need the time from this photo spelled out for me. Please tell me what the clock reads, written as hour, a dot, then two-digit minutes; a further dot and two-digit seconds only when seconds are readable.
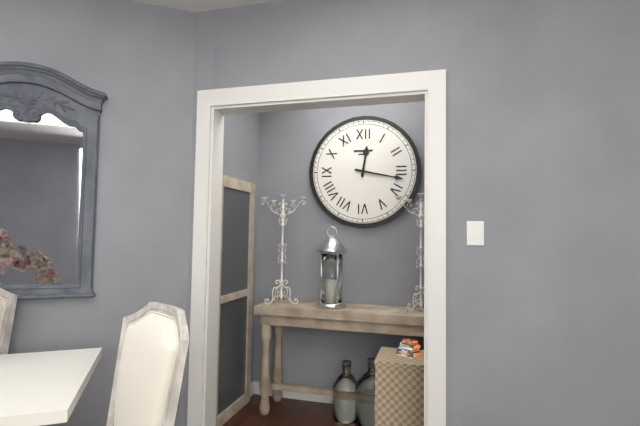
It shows 12.17
